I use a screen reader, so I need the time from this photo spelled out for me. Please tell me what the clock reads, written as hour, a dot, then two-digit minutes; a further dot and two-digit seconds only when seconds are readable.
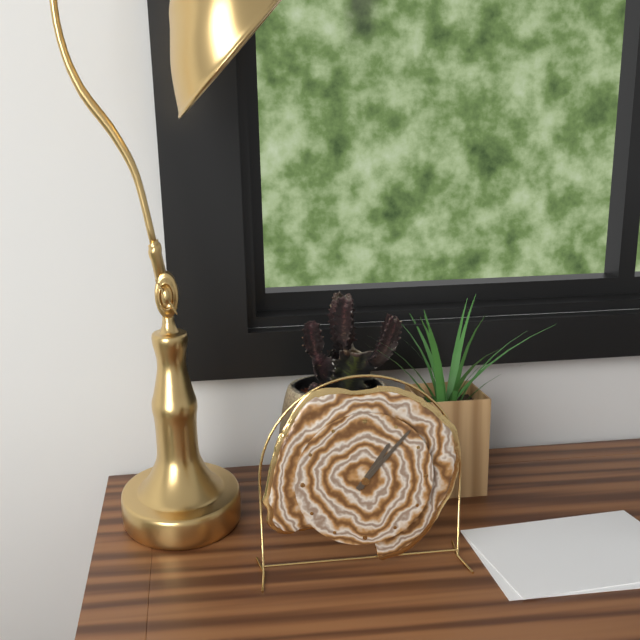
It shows 1.07
